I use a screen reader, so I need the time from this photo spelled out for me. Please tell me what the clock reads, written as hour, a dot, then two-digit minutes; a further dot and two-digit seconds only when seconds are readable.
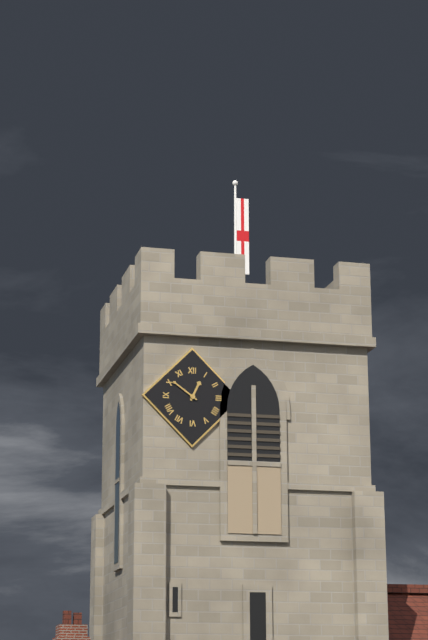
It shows 12.51
